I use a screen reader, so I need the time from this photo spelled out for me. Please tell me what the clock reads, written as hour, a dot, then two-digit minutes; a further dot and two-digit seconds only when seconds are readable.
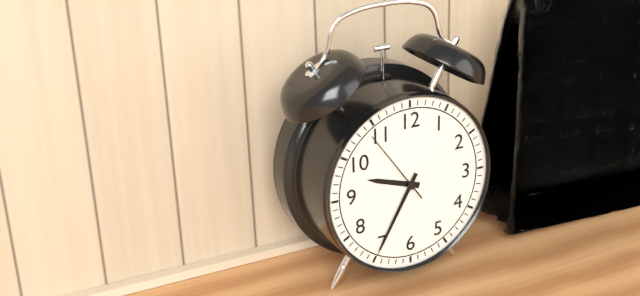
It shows 9.35.54
